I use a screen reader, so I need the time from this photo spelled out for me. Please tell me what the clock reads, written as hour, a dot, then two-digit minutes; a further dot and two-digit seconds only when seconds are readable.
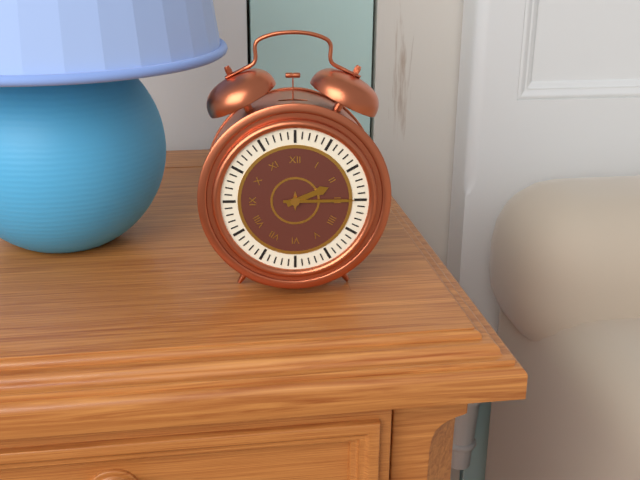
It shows 2.15
